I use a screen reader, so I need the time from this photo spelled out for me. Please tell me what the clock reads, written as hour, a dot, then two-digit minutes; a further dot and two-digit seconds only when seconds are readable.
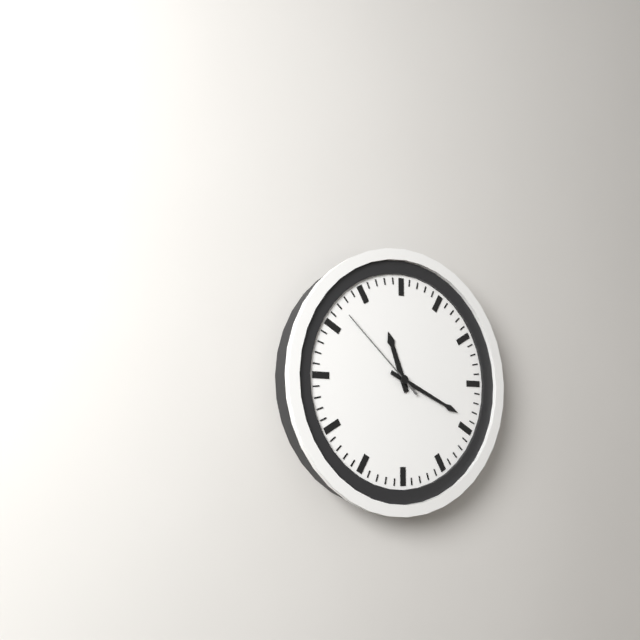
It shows 11.19.52
